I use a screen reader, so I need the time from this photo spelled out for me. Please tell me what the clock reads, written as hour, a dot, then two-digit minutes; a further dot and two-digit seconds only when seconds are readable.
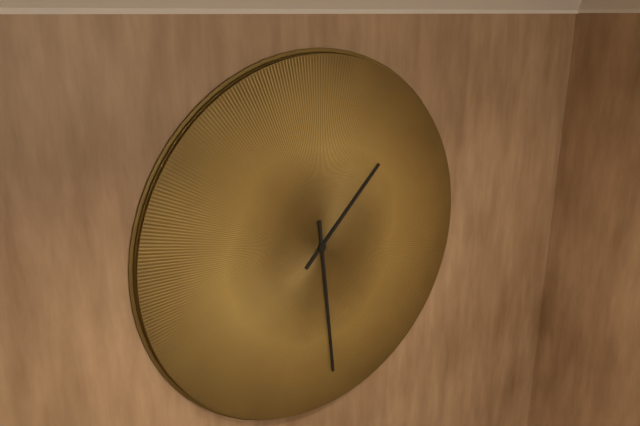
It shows 1.29
